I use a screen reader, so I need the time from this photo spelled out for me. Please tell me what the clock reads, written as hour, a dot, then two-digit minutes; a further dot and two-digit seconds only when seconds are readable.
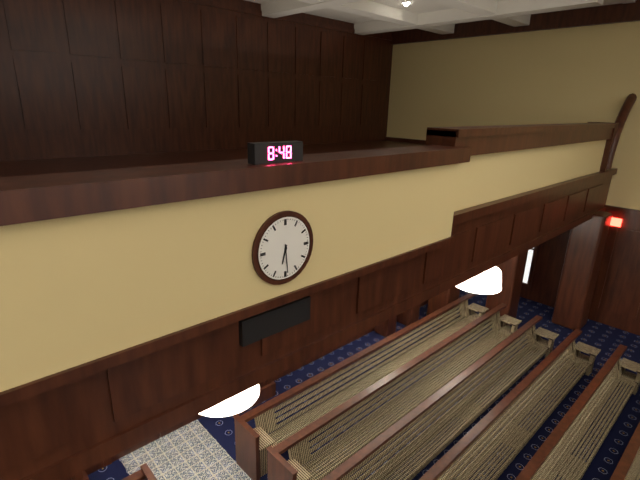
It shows 6.29
